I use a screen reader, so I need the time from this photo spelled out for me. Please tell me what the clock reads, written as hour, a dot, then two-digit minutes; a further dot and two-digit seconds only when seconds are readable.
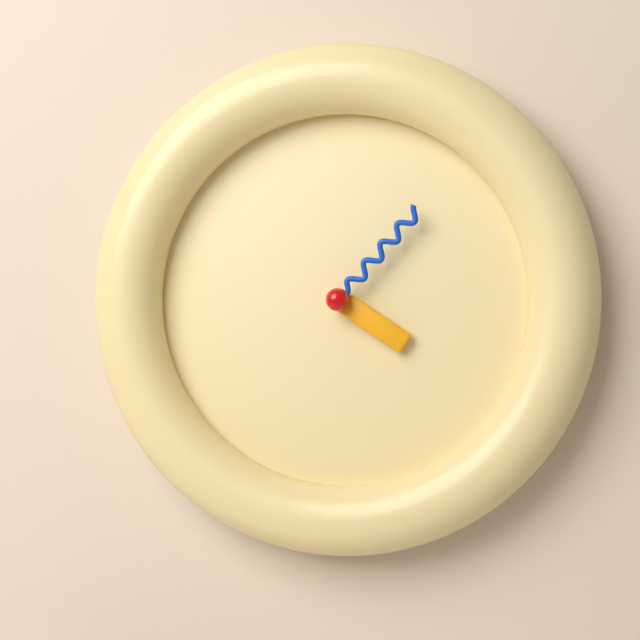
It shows 4.07
